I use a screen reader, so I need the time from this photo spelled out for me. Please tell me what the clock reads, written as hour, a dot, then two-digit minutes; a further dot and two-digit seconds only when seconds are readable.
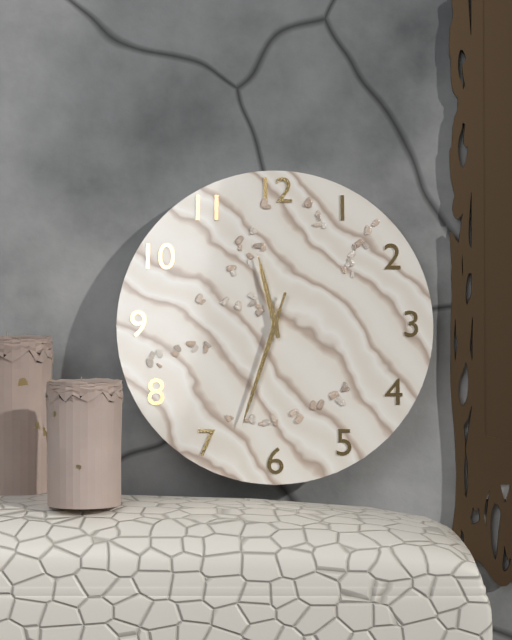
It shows 11.33.33
